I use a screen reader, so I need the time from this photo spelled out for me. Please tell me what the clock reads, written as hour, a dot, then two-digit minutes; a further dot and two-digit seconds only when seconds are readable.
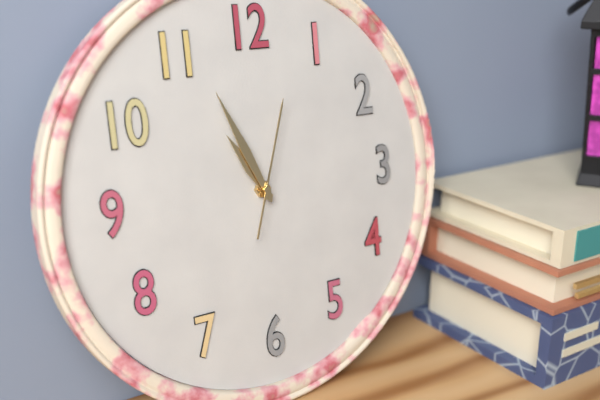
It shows 10.56.03
